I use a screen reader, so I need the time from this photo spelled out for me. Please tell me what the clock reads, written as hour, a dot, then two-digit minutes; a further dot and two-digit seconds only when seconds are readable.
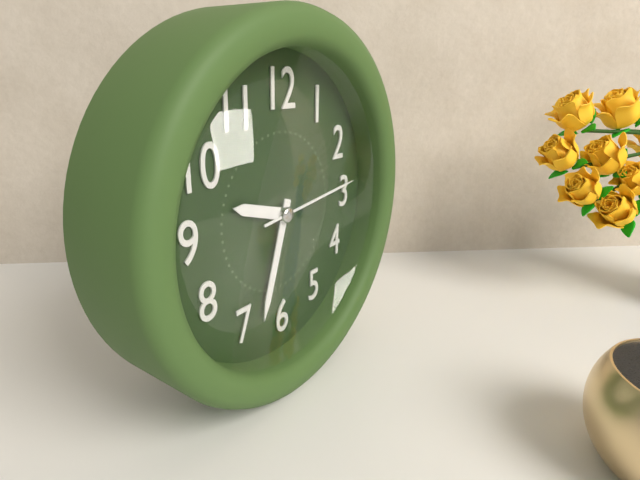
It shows 9.33.14
